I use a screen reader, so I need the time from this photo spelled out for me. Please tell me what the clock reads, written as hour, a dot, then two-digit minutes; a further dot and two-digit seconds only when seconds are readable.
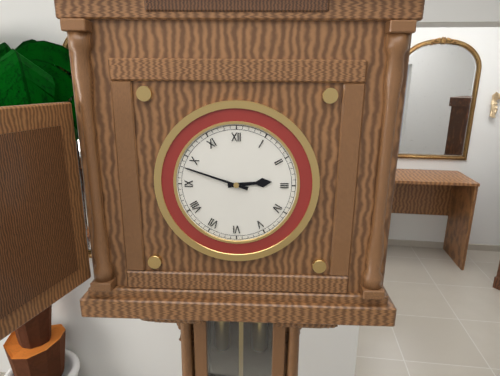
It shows 2.48
